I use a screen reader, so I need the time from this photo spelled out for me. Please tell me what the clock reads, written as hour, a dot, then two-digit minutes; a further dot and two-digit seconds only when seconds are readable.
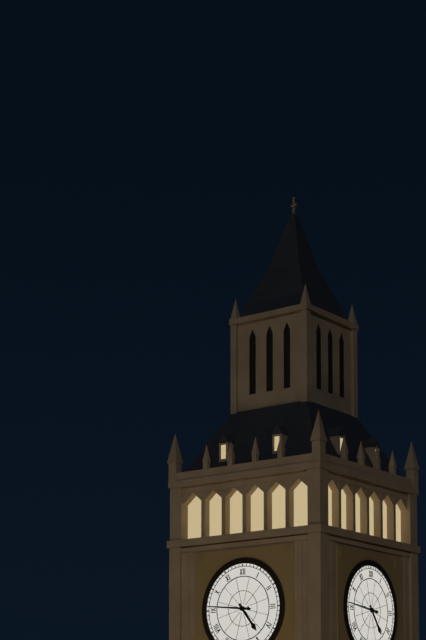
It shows 4.46
